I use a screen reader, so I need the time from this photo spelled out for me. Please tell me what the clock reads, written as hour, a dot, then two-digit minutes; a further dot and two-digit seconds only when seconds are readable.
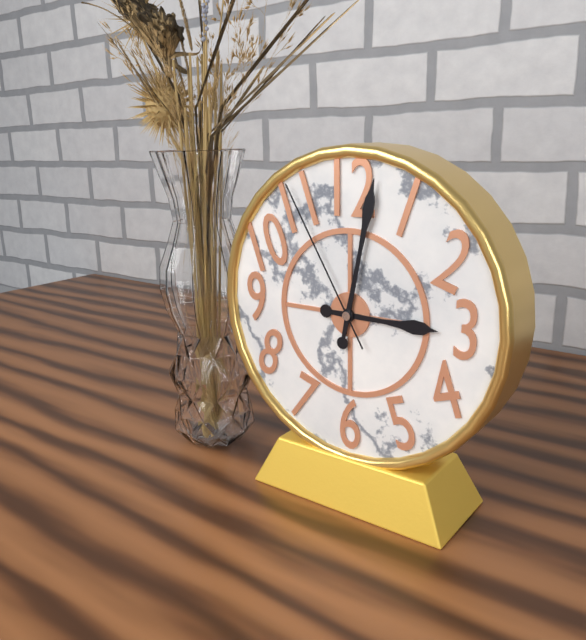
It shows 3.02.55
